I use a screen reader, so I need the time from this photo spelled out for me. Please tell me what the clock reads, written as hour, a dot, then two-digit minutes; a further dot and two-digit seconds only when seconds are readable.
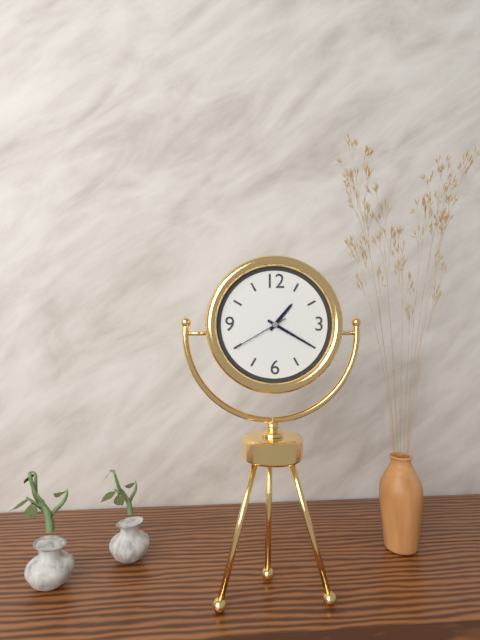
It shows 1.20.40
